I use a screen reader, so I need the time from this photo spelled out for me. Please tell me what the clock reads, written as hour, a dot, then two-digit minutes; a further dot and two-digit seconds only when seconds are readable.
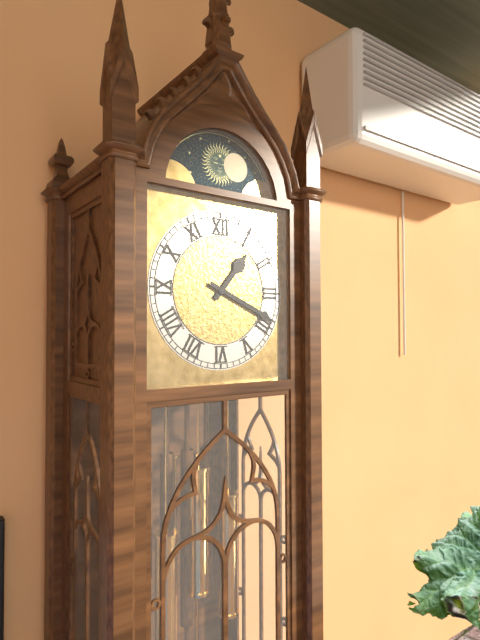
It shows 1.19
